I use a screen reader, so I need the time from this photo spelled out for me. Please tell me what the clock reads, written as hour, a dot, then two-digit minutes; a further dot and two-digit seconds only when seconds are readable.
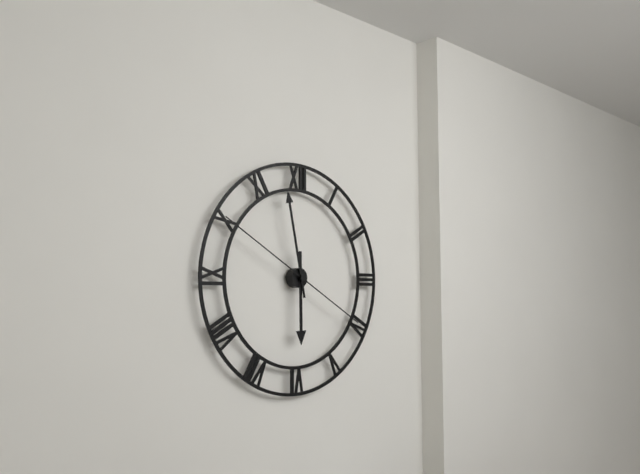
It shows 5.58.50
